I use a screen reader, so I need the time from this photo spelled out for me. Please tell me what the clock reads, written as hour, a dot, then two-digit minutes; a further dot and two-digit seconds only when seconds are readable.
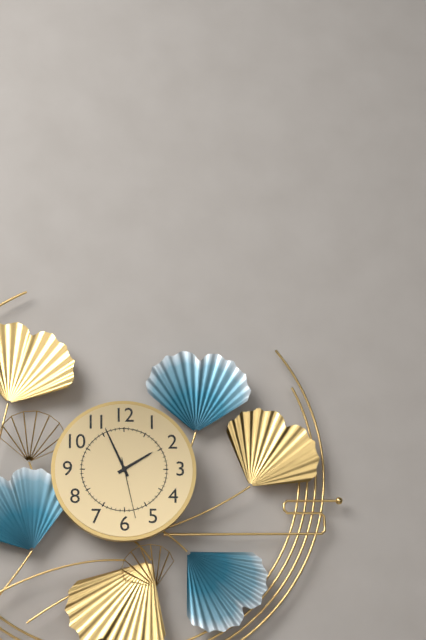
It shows 1.56.28
